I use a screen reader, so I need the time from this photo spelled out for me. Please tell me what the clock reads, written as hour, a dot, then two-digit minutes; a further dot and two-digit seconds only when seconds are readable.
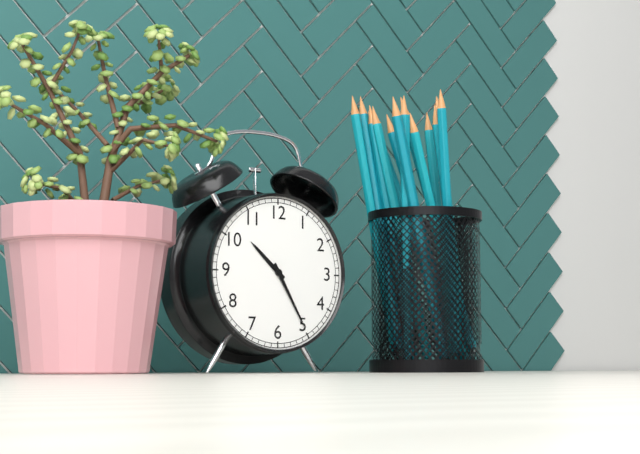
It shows 10.25
